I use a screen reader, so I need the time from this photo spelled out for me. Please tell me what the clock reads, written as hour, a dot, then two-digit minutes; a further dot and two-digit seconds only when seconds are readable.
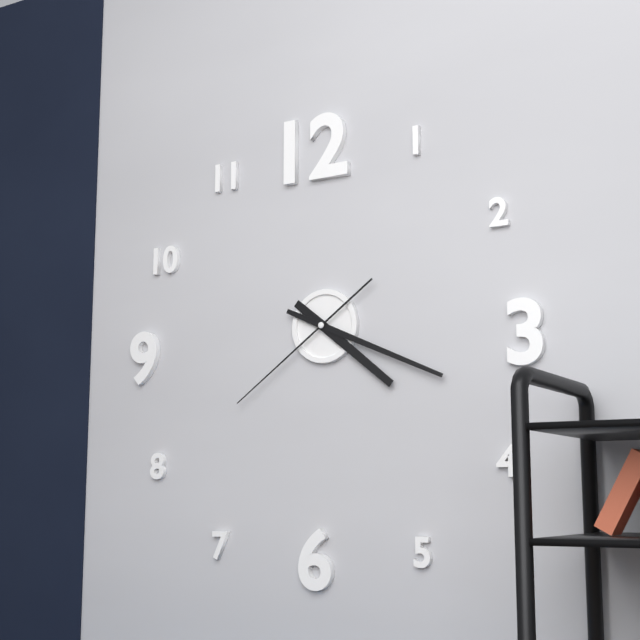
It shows 4.19.39
